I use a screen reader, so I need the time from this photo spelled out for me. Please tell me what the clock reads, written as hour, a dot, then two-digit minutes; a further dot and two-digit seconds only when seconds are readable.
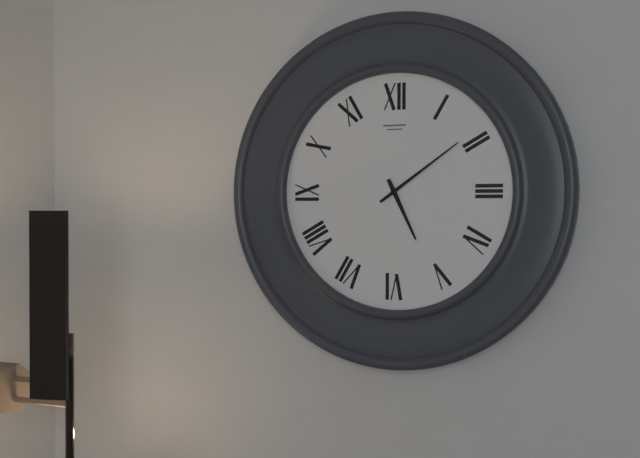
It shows 5.09
